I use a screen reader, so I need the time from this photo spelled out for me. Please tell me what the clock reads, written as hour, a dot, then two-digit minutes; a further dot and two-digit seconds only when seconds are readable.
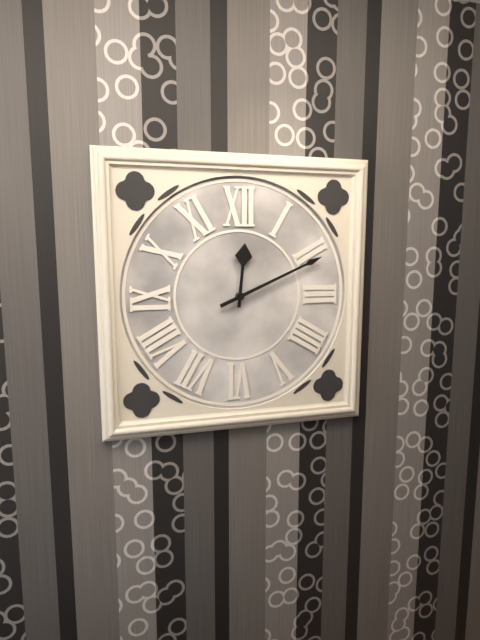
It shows 12.11
